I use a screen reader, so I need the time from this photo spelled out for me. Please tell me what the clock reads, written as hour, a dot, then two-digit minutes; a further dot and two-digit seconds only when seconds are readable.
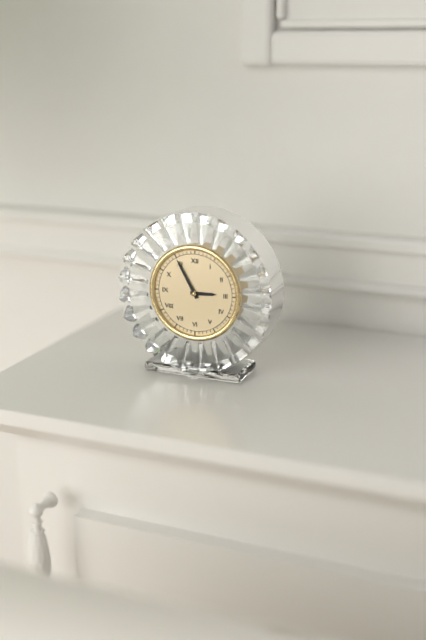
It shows 2.55
